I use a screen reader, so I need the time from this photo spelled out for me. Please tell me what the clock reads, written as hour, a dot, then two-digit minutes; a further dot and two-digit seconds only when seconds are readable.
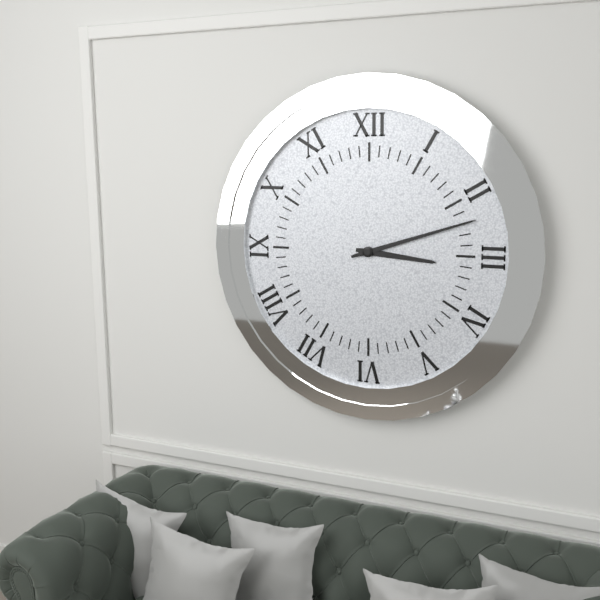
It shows 3.12
